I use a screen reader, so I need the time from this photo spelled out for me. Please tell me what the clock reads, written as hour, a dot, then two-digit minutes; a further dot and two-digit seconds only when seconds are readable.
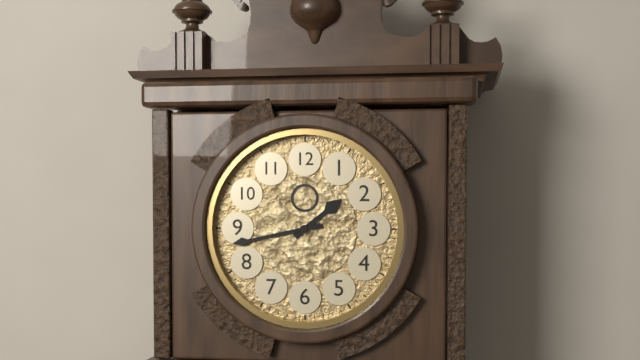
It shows 1.43
